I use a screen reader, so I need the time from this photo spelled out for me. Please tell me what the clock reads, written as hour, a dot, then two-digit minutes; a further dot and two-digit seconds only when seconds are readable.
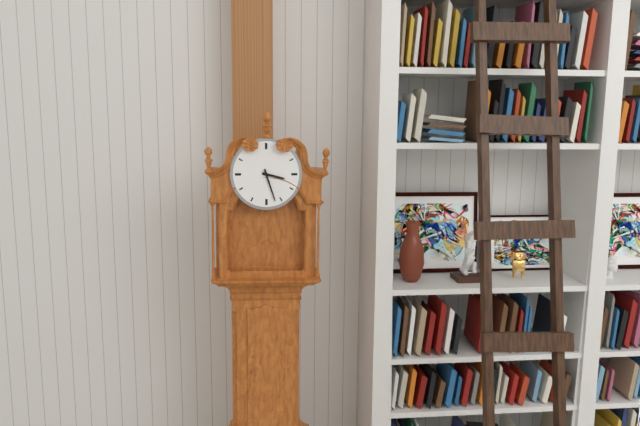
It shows 3.27
